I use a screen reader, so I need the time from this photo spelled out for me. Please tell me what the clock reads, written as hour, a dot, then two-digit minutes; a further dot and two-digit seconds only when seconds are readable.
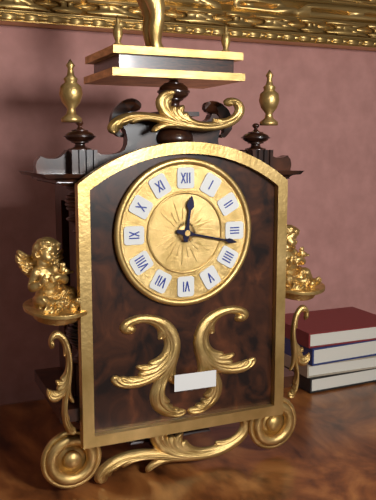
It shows 12.17
